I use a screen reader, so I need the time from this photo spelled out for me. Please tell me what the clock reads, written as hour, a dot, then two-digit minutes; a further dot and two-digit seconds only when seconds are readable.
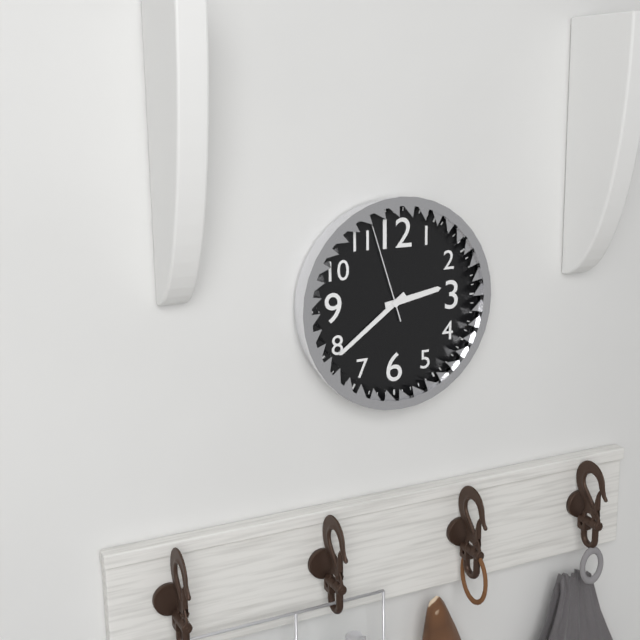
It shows 2.39.57
